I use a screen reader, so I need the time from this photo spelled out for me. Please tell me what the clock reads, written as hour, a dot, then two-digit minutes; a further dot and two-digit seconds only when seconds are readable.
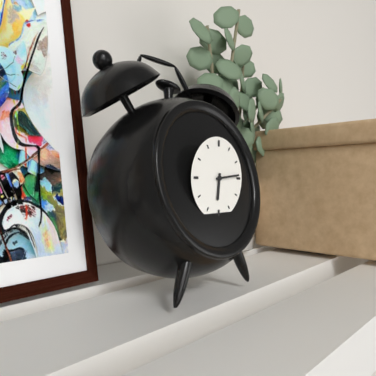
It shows 6.14
